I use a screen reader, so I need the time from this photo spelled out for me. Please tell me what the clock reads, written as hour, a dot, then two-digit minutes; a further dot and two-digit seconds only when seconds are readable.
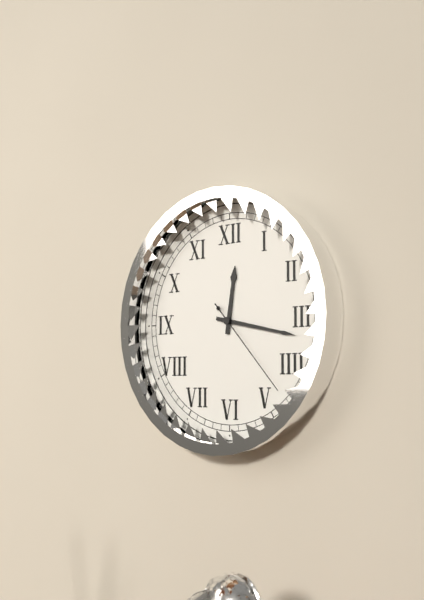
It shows 12.17.23
